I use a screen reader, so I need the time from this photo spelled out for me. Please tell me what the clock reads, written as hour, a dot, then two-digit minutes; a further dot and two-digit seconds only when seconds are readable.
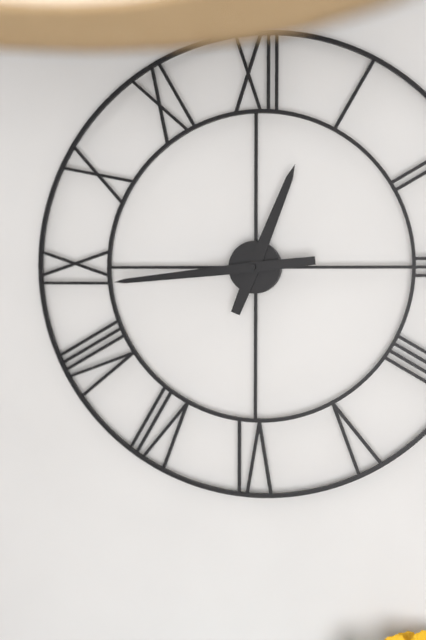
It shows 12.44
